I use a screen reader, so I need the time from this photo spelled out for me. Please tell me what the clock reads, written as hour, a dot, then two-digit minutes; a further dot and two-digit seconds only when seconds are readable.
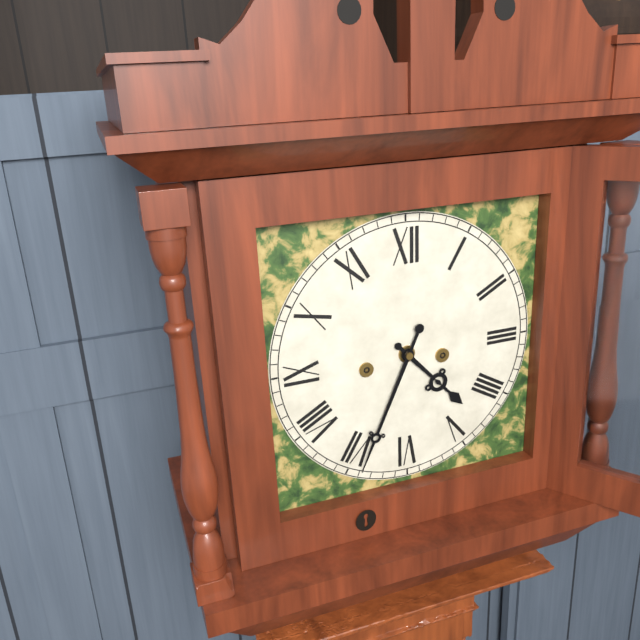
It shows 4.34
